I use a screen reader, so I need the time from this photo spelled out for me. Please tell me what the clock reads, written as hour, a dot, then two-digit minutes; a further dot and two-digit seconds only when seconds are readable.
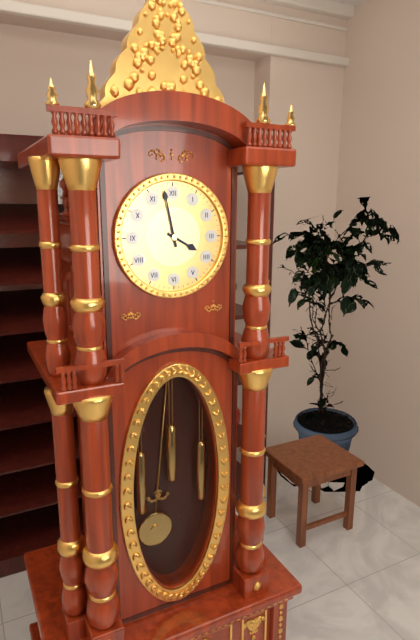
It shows 3.58
